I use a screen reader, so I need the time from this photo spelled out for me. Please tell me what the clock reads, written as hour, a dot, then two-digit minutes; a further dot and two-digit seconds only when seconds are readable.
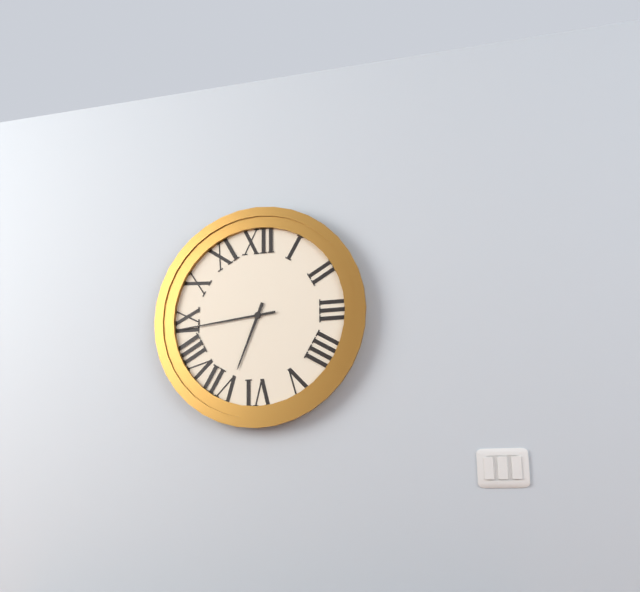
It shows 6.44
